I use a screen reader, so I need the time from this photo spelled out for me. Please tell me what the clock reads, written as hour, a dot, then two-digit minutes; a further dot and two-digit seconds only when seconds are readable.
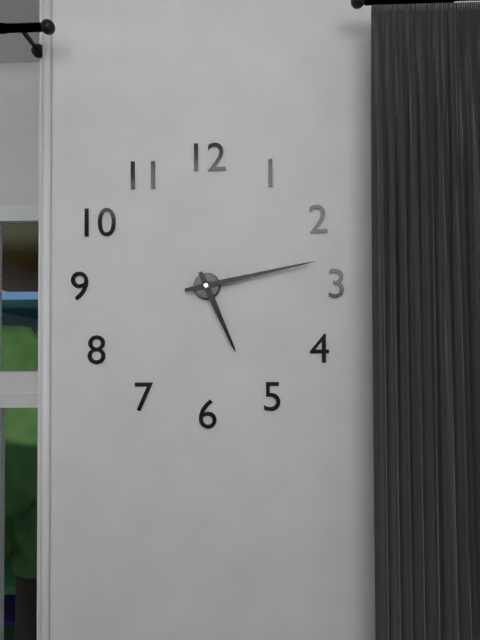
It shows 5.13
